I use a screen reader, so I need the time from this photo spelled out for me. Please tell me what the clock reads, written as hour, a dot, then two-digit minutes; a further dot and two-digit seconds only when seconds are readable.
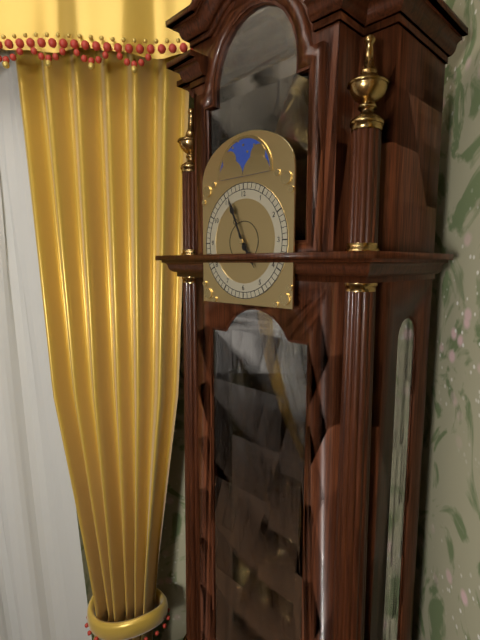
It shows 4.56
